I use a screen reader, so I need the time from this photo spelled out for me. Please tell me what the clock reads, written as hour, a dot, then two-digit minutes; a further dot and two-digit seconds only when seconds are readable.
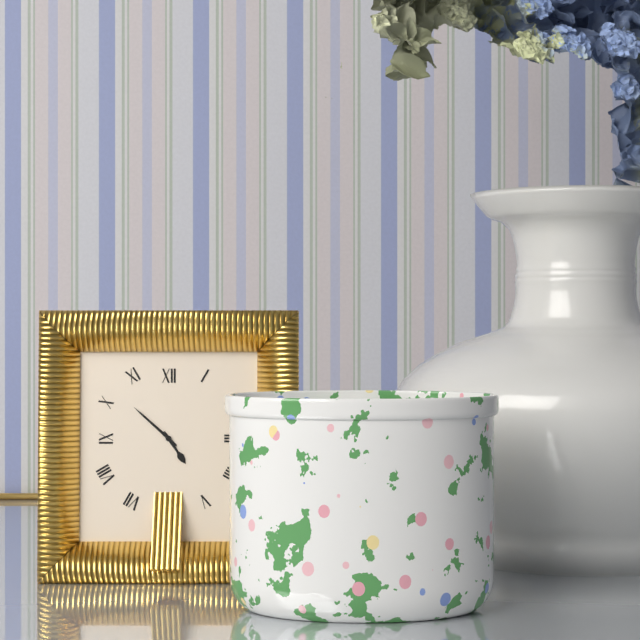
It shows 4.52
